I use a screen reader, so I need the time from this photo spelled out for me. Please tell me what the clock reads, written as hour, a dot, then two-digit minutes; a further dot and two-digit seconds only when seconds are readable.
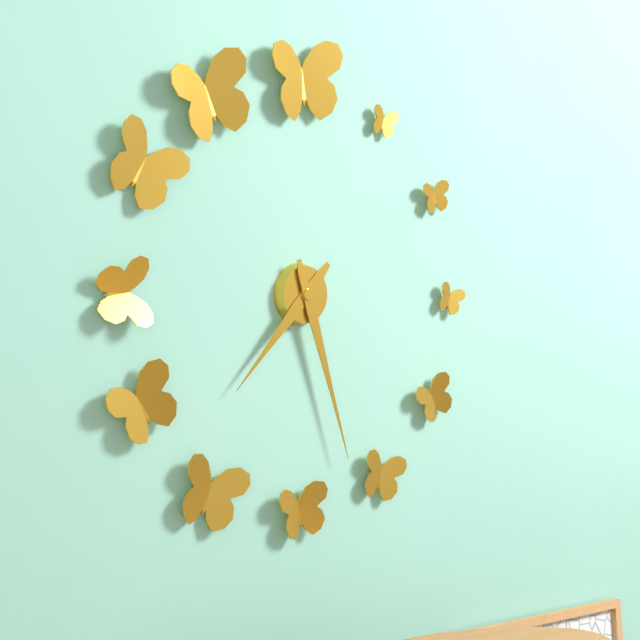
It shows 7.27
